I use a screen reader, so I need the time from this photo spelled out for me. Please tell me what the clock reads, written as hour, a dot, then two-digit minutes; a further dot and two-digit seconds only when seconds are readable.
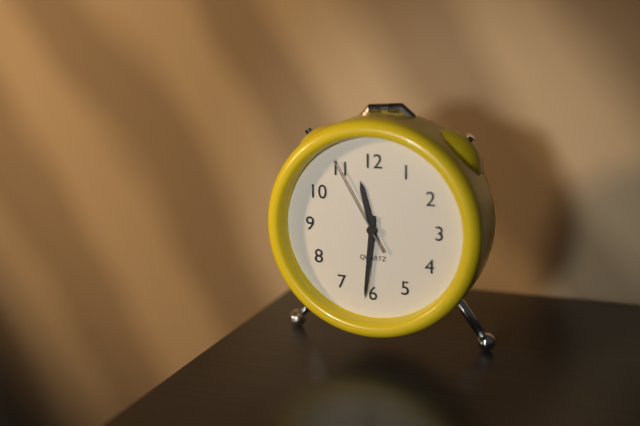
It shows 11.31.55
